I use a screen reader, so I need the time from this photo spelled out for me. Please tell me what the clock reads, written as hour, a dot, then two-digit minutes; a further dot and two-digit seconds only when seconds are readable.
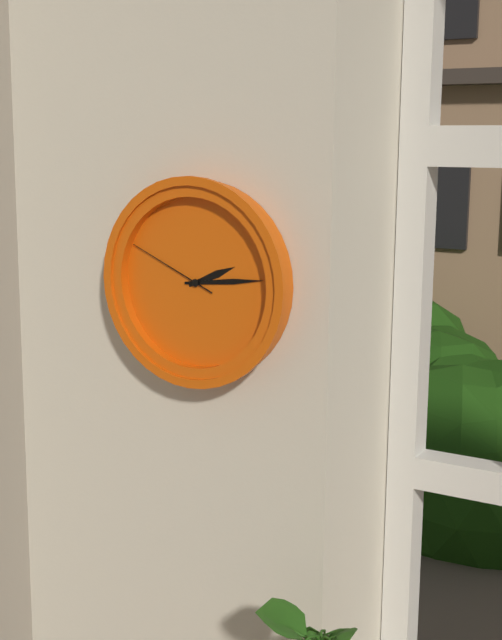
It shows 2.14.49
